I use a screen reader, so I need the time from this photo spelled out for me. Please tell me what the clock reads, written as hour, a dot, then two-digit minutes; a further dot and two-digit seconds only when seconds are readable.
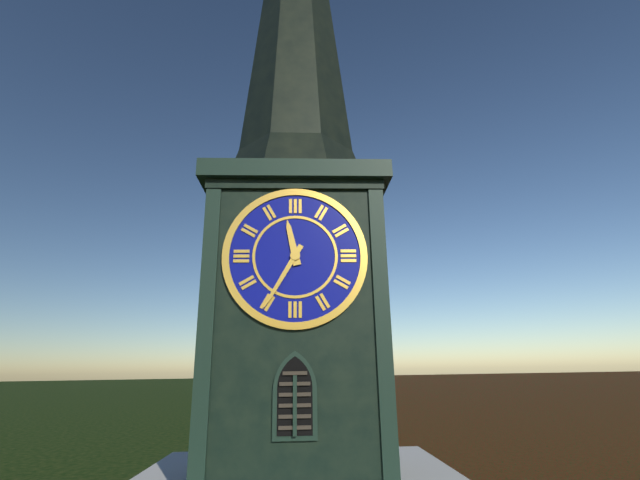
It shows 11.35
